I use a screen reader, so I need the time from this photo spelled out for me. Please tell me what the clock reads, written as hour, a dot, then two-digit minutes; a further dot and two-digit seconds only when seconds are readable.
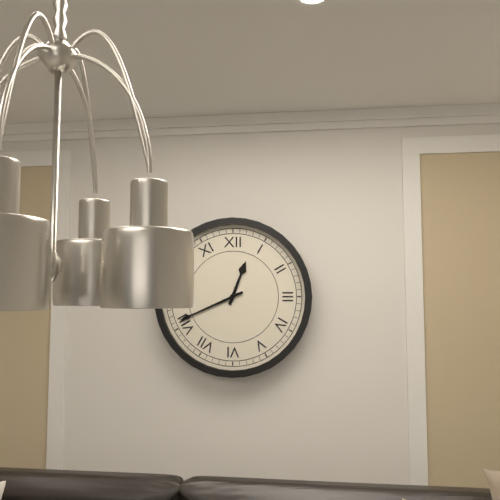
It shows 12.41
